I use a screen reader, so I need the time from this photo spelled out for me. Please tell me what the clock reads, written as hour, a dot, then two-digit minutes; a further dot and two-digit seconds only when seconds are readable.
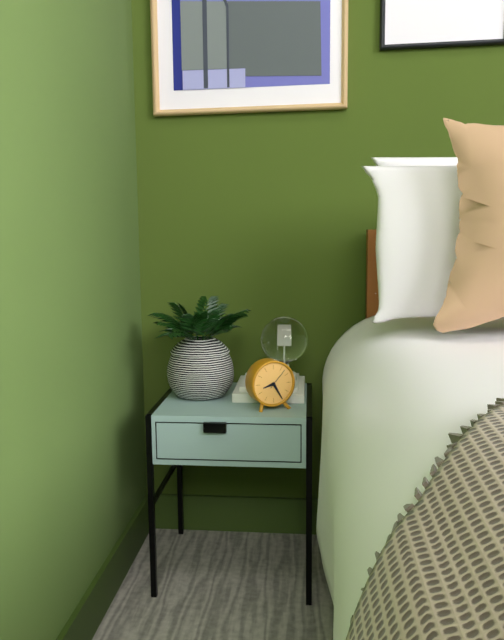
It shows 8.25
